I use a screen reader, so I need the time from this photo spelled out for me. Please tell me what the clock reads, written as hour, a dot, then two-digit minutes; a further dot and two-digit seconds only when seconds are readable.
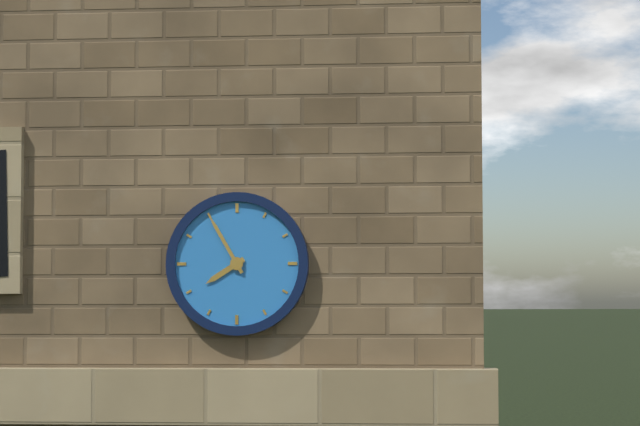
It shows 7.55
